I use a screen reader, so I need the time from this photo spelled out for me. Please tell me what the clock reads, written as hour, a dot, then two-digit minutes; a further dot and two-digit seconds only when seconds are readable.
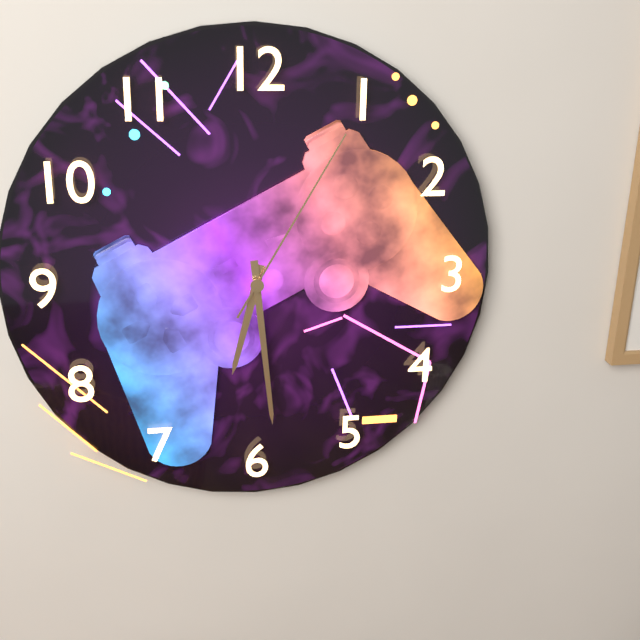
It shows 6.29.05
